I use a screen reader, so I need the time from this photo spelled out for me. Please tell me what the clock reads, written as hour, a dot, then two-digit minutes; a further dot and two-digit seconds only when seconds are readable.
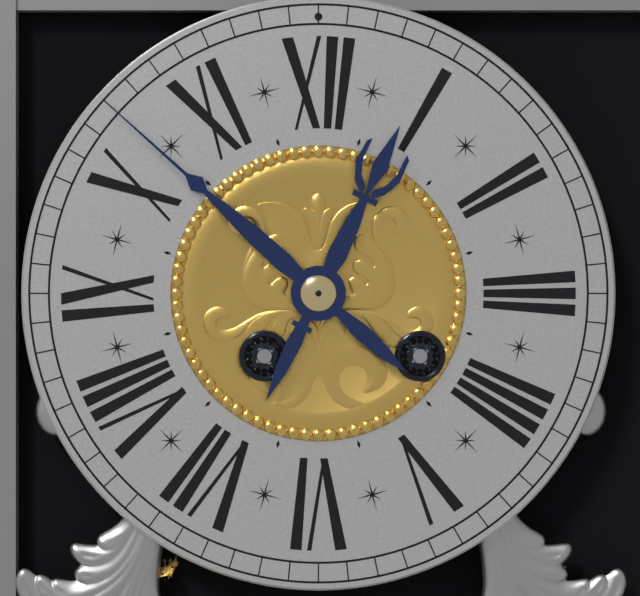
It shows 12.52
